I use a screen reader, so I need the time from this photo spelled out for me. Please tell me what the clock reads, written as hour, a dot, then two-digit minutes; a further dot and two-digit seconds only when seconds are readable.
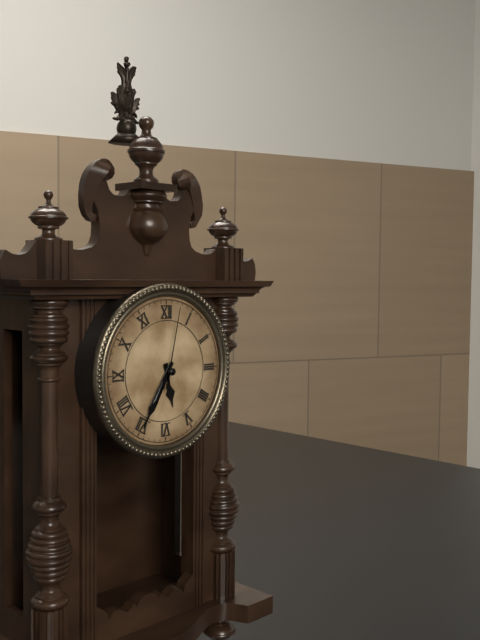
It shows 5.35.02
